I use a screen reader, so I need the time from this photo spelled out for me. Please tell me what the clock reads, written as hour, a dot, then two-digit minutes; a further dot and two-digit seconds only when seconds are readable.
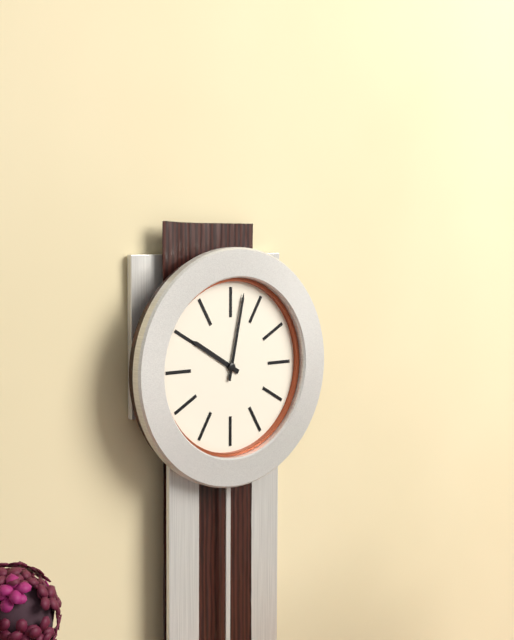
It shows 10.02
